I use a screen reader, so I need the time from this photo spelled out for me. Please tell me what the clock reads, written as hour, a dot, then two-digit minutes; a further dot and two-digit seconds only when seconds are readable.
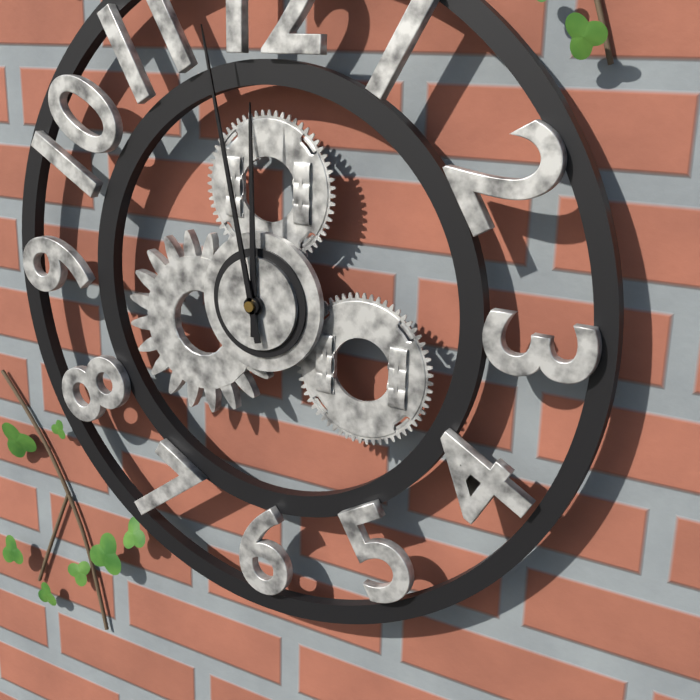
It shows 11.58
